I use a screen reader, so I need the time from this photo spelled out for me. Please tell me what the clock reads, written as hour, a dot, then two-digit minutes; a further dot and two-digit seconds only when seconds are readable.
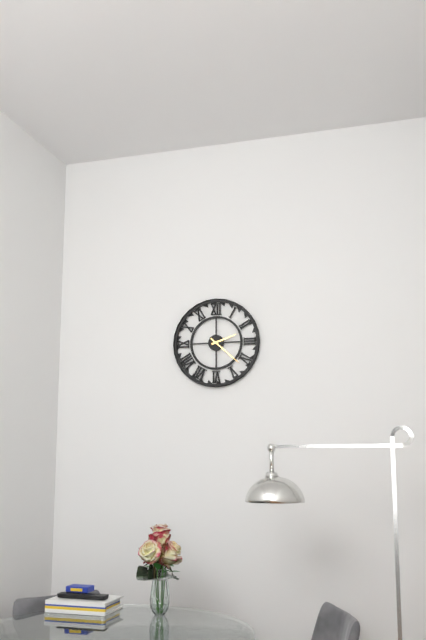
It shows 2.22
